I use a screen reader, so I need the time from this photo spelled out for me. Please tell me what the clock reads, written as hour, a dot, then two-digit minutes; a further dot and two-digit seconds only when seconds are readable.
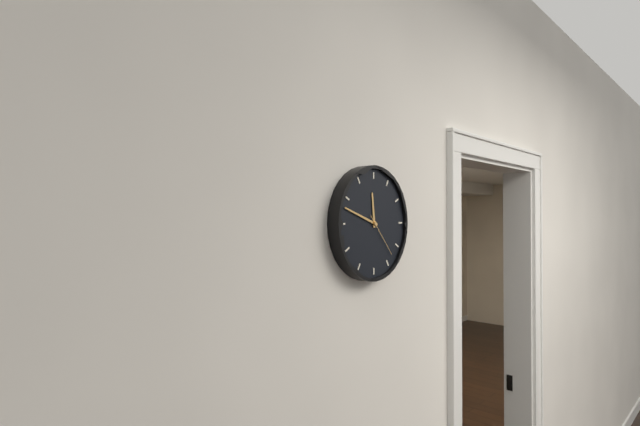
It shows 11.48.23
